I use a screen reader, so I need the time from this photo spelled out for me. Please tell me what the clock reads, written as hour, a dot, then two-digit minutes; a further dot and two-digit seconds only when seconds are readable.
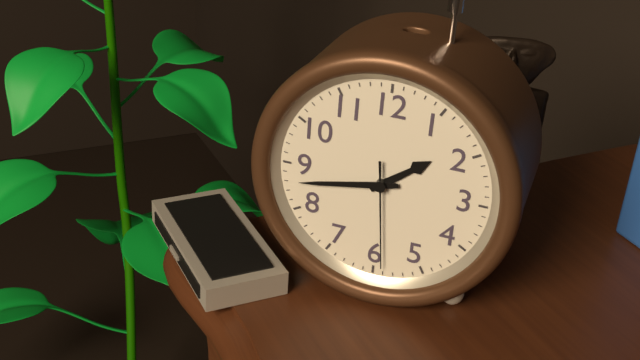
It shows 1.43.29
